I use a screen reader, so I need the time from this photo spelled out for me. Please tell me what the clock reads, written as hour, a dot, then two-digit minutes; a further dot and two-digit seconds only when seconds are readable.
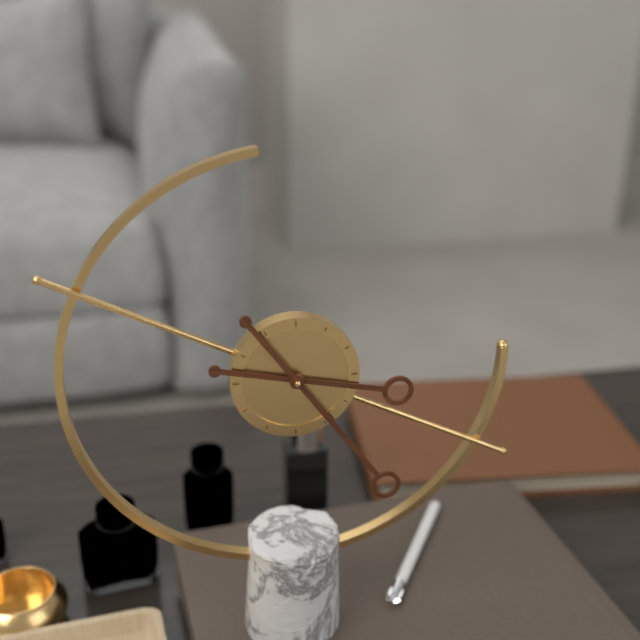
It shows 3.24
